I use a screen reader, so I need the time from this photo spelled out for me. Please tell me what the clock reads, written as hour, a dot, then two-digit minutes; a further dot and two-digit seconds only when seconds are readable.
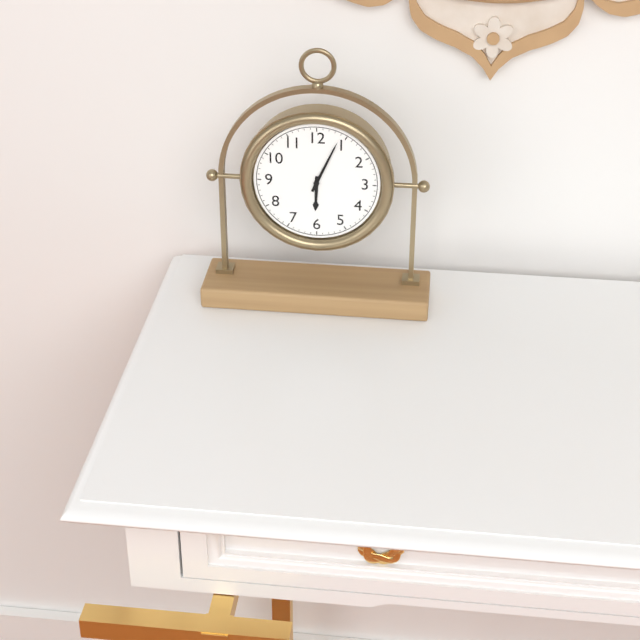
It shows 6.04
